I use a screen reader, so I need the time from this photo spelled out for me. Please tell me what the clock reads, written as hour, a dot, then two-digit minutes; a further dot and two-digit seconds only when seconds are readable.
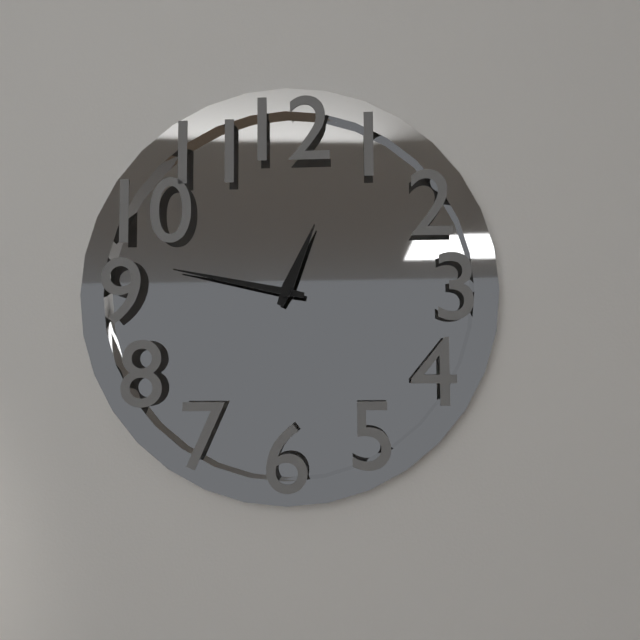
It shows 12.47
